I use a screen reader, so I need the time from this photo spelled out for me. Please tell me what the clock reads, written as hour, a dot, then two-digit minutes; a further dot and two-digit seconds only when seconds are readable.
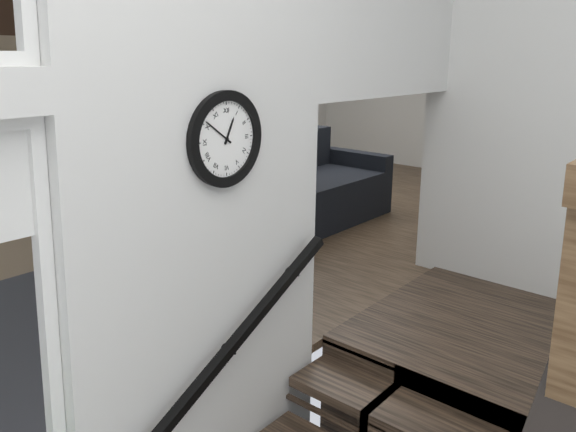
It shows 12.51
